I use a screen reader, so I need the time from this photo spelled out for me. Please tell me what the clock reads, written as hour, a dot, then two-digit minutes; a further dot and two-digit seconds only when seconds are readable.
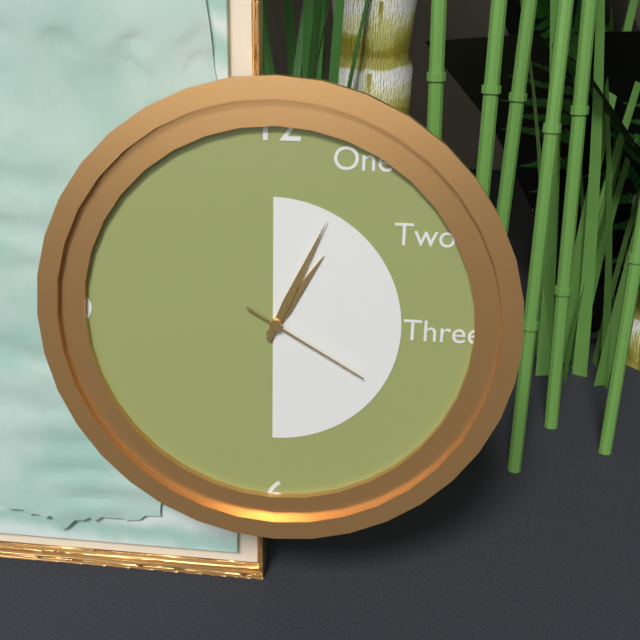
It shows 1.04.20
